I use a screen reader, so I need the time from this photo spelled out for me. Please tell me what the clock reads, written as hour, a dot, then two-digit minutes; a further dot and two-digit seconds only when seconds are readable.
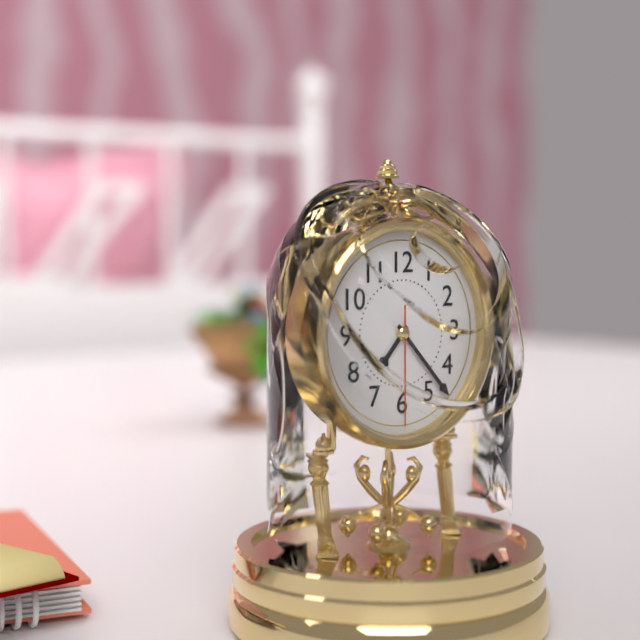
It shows 7.23.30
